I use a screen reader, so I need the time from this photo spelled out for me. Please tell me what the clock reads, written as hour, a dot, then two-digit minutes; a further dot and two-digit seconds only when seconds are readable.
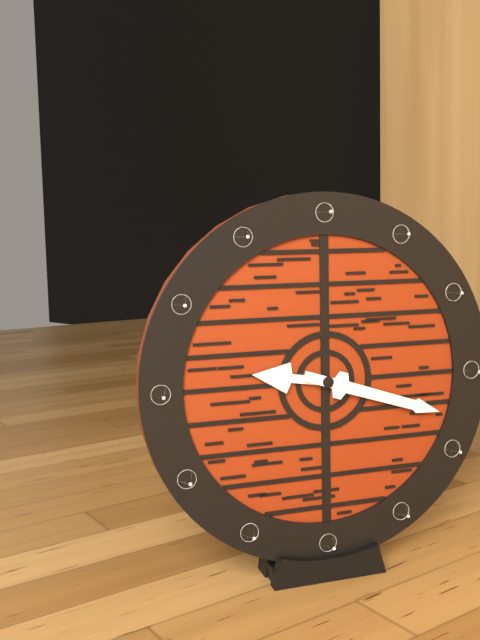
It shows 9.18
